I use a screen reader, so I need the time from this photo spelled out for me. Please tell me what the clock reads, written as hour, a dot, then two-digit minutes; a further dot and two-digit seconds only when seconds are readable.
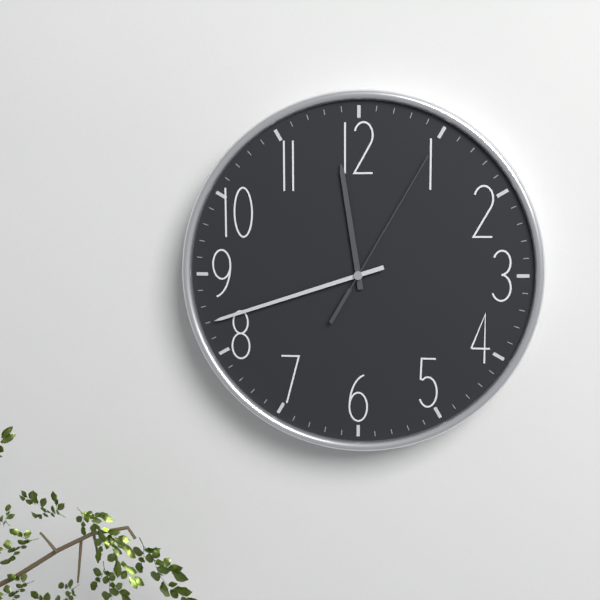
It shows 11.42.05
